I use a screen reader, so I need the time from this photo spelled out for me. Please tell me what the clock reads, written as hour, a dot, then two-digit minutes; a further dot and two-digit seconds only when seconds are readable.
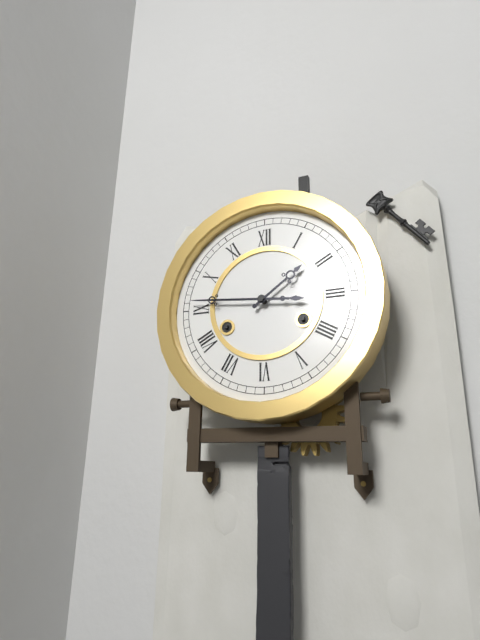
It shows 1.46
